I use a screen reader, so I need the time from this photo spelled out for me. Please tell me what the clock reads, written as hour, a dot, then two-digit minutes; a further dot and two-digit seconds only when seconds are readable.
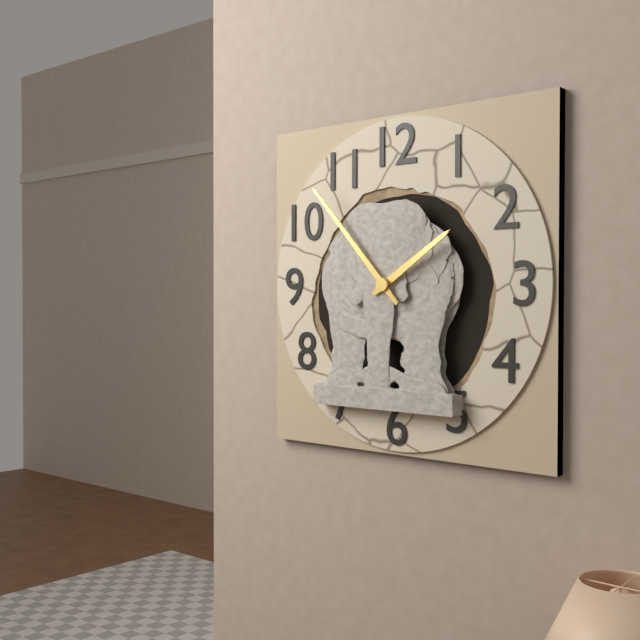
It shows 1.53
